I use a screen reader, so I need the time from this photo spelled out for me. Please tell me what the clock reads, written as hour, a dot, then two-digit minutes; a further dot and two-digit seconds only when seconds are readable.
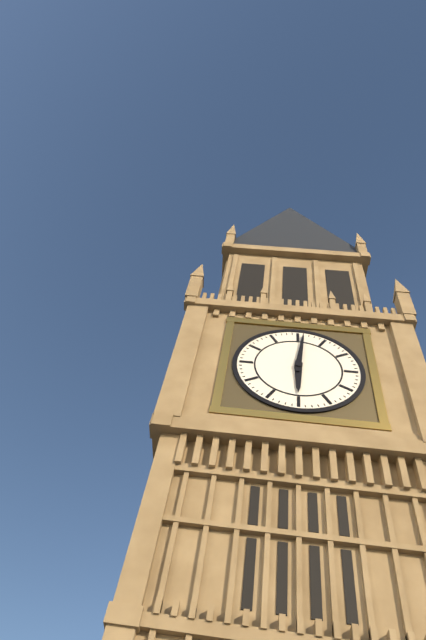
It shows 6.01
